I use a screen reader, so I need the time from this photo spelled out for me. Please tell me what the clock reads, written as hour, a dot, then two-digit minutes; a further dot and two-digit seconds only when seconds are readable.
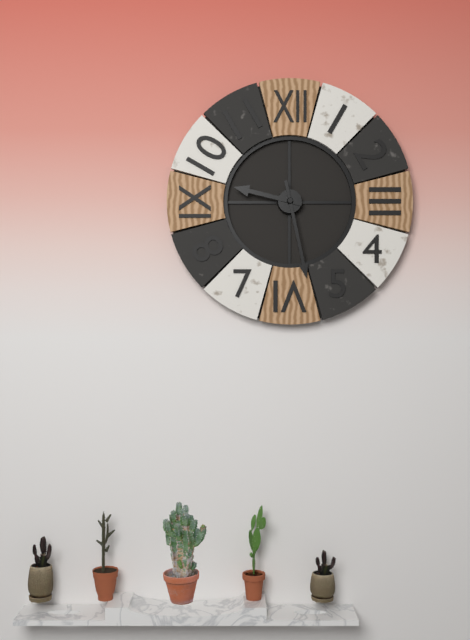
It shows 9.28
